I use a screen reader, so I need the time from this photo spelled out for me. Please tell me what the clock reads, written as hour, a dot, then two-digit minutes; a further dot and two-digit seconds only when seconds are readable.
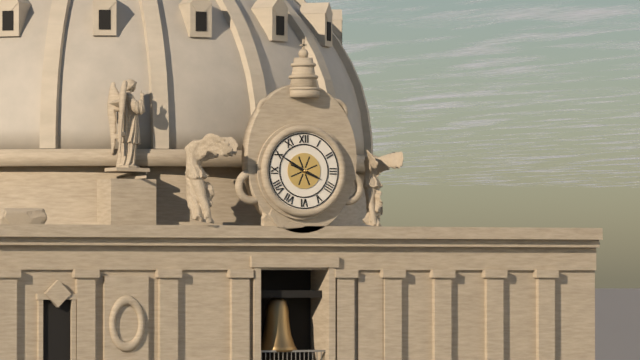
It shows 3.50
